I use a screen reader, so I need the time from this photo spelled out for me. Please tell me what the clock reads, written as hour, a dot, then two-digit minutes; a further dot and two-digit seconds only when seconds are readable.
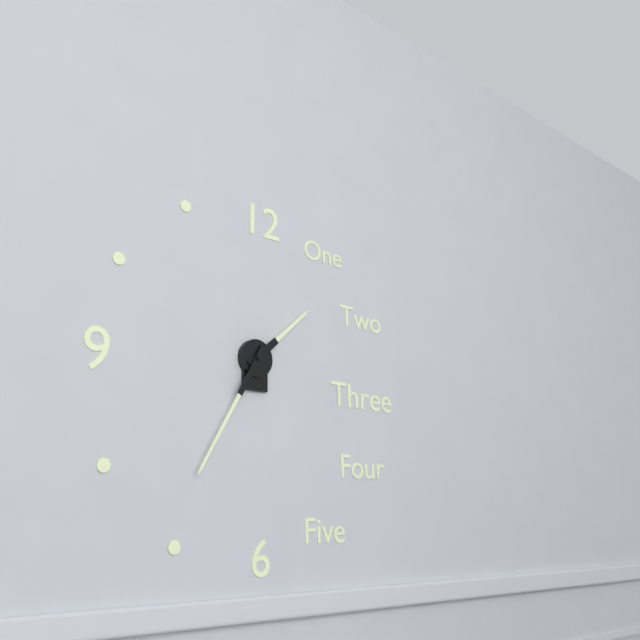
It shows 1.35
